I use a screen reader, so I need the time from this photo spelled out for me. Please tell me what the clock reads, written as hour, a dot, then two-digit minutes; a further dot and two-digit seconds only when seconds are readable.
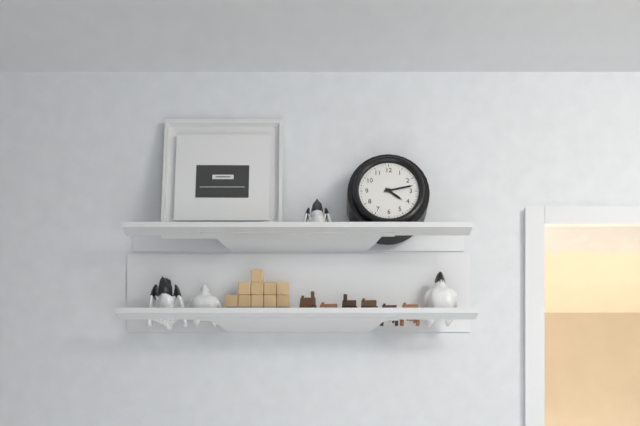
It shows 4.13
